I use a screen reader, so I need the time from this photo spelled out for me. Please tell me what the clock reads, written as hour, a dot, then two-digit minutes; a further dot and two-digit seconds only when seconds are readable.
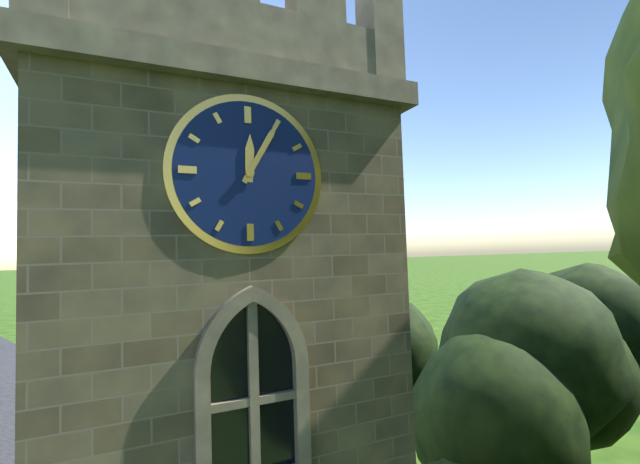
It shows 12.05
